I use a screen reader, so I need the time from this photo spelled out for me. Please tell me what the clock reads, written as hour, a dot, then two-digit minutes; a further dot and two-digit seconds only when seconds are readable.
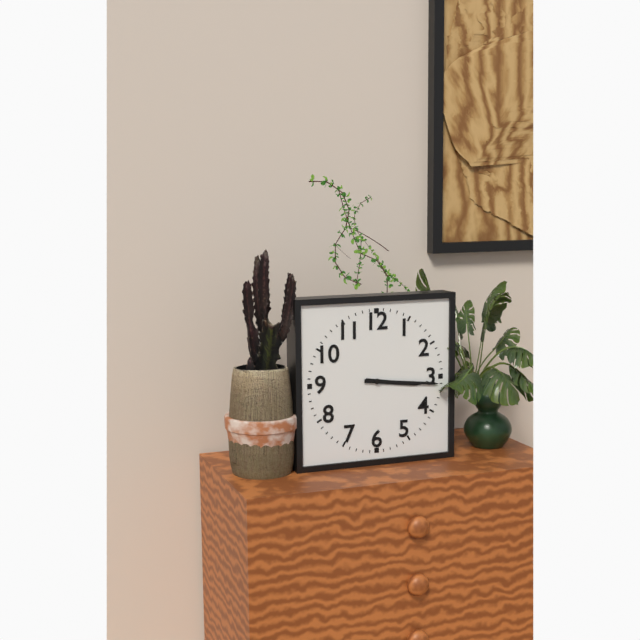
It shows 3.16
